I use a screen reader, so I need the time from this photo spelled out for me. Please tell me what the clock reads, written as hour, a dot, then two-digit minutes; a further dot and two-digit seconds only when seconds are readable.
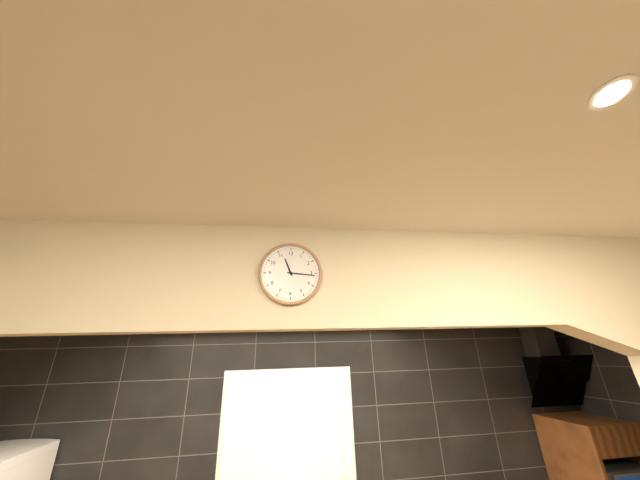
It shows 11.16
